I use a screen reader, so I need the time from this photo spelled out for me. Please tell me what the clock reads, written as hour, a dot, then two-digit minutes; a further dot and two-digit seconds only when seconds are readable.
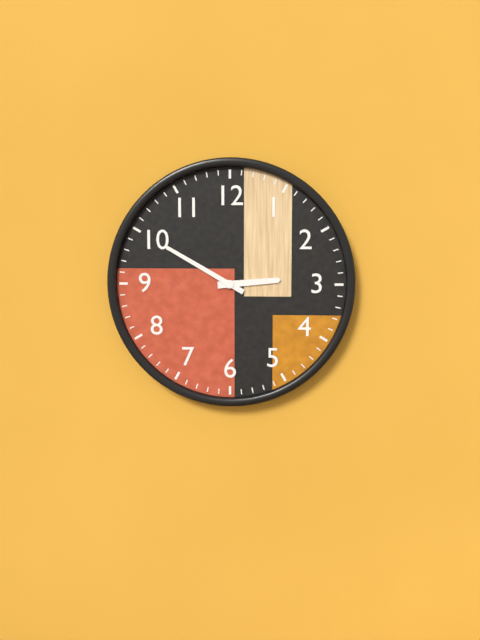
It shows 2.50
